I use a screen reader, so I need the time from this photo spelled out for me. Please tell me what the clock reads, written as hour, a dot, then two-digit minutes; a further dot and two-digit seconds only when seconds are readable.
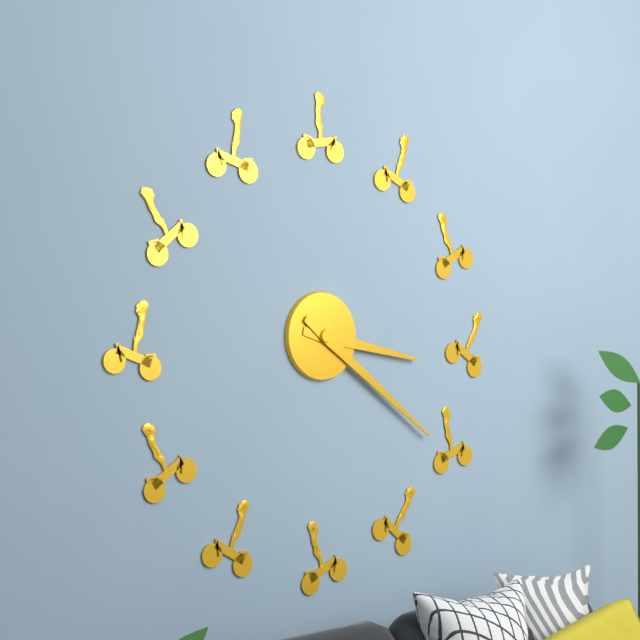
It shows 3.21
